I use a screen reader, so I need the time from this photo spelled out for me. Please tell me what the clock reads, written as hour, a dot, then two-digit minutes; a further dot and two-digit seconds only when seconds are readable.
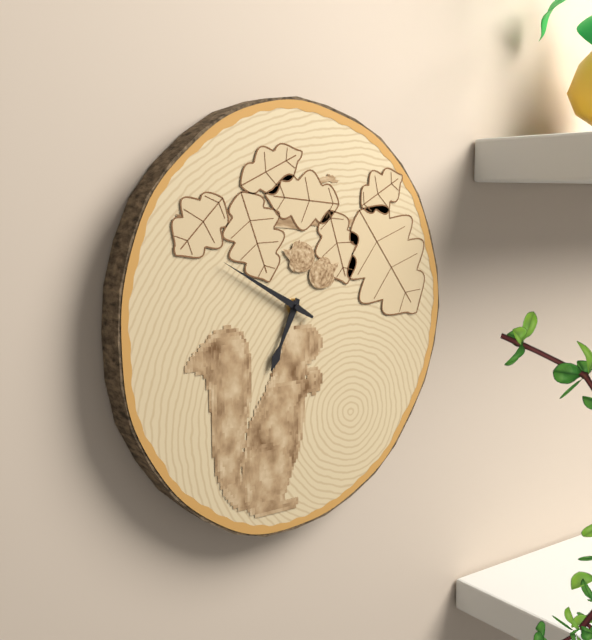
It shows 6.50
